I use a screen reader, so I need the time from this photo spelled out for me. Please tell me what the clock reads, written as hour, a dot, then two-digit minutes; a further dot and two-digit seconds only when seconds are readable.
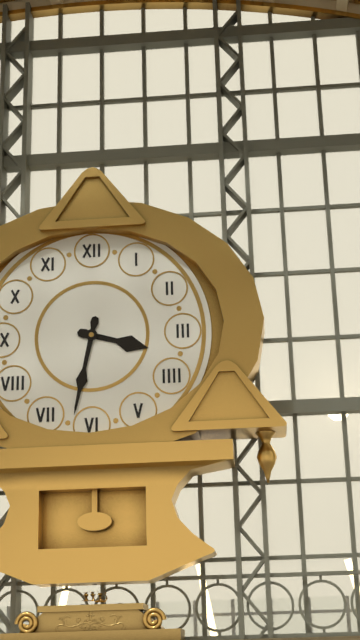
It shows 3.32
